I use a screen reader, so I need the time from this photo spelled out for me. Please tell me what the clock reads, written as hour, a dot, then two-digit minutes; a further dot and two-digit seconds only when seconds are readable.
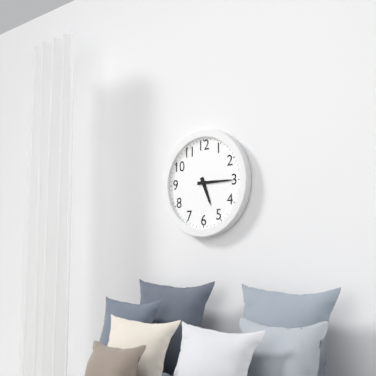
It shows 5.15
